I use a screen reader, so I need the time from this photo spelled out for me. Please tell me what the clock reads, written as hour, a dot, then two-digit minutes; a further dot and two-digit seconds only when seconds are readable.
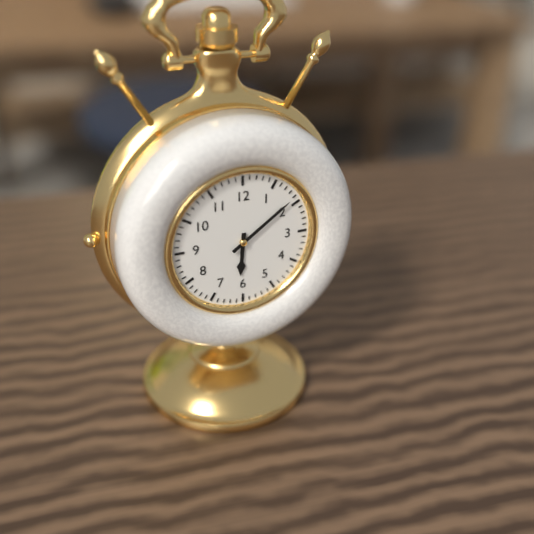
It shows 6.09
